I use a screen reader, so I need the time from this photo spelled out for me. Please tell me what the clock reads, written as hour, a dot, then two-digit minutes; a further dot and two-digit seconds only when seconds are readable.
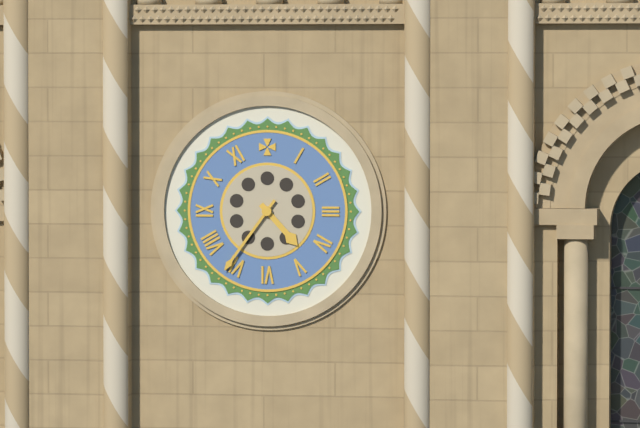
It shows 4.36
